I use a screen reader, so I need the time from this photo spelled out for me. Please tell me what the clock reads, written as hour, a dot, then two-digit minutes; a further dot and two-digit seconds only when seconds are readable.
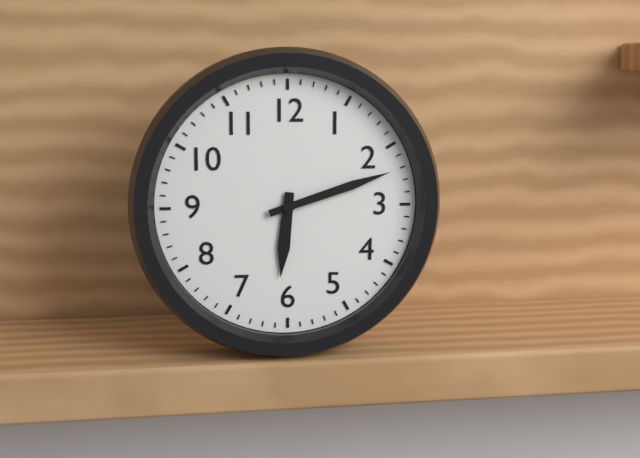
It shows 6.12
